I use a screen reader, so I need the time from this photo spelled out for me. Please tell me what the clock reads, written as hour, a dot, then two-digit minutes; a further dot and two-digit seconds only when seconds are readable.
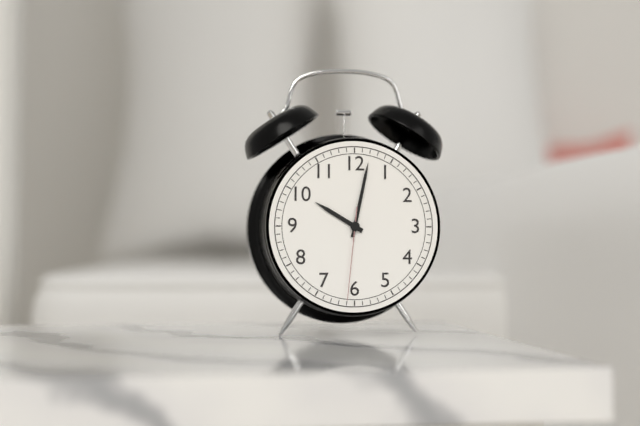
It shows 10.02.31
